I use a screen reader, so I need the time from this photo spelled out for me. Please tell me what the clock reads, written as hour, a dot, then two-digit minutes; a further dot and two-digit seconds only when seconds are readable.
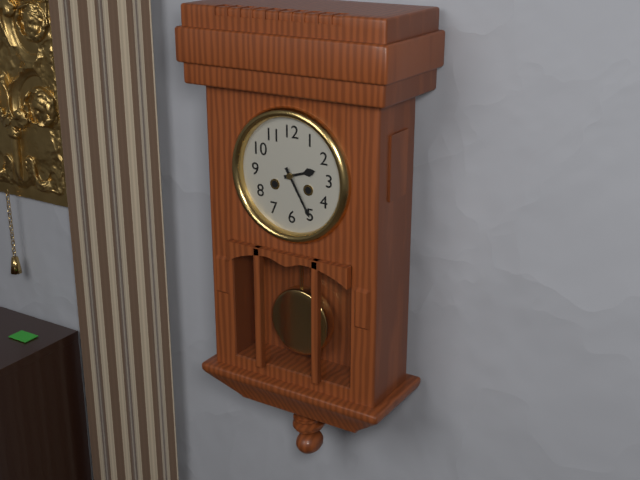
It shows 2.25
